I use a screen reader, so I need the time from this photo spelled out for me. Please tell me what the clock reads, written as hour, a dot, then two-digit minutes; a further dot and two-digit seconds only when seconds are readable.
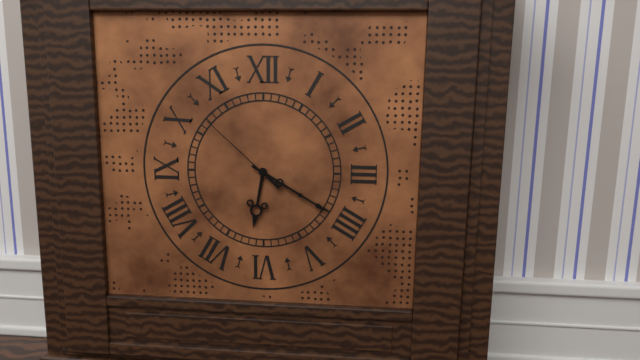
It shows 6.20.52
